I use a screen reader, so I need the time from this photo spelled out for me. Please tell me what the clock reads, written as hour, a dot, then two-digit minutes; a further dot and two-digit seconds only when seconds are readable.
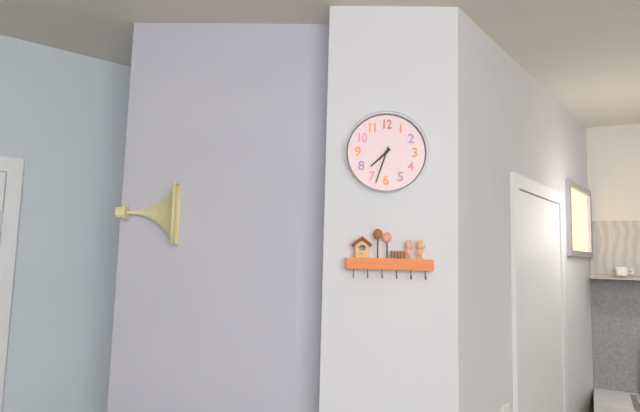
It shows 7.33
